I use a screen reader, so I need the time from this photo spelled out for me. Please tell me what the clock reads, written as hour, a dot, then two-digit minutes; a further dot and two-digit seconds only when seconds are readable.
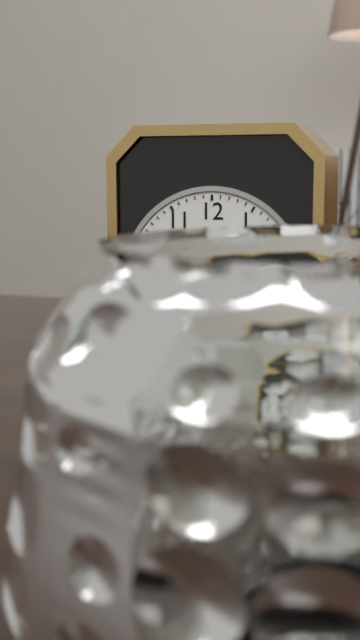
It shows 9.40
